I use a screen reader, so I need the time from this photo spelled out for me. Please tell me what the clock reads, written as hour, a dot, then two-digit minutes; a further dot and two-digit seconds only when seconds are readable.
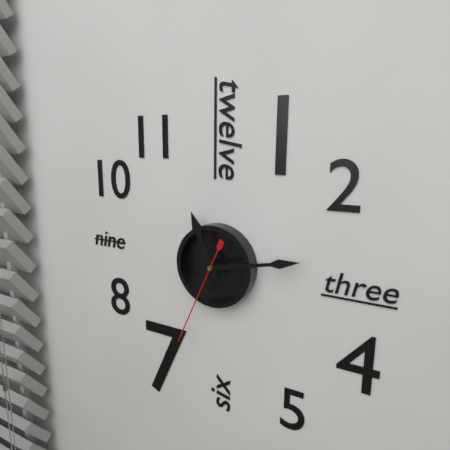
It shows 11.13.34
